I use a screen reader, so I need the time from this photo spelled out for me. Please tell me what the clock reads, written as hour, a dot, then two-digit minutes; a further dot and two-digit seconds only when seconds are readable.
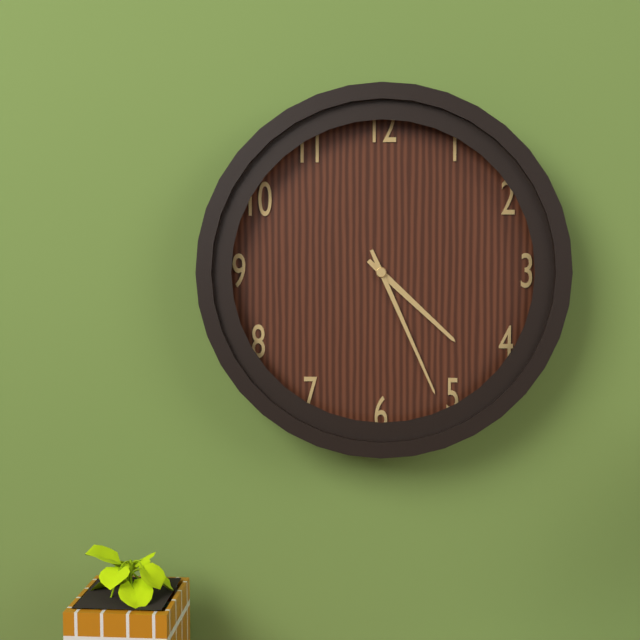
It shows 4.26
